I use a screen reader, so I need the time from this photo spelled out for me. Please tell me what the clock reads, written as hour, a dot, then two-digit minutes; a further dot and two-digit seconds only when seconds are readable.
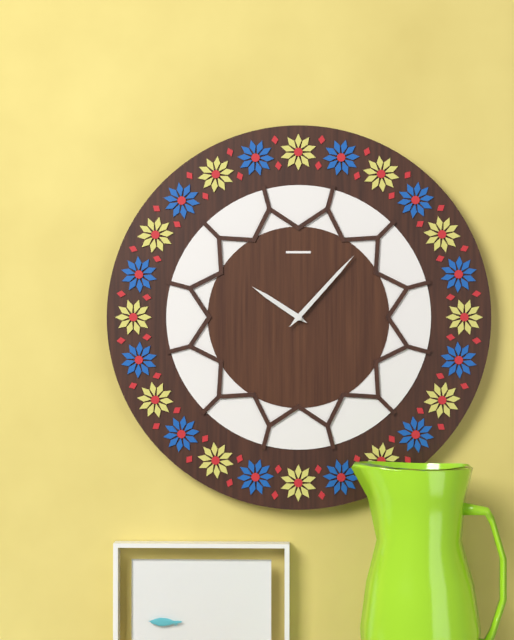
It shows 10.07
